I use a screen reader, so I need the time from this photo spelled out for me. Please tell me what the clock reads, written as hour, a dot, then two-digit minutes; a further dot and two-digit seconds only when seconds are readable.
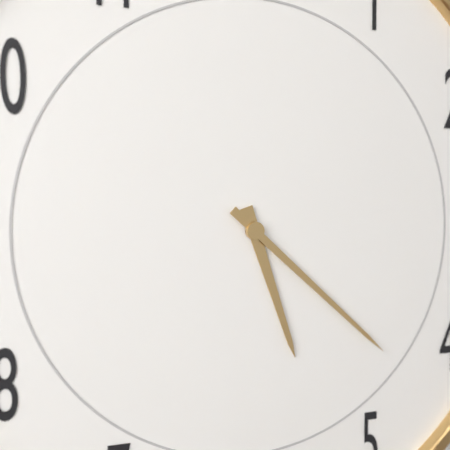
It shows 5.22
